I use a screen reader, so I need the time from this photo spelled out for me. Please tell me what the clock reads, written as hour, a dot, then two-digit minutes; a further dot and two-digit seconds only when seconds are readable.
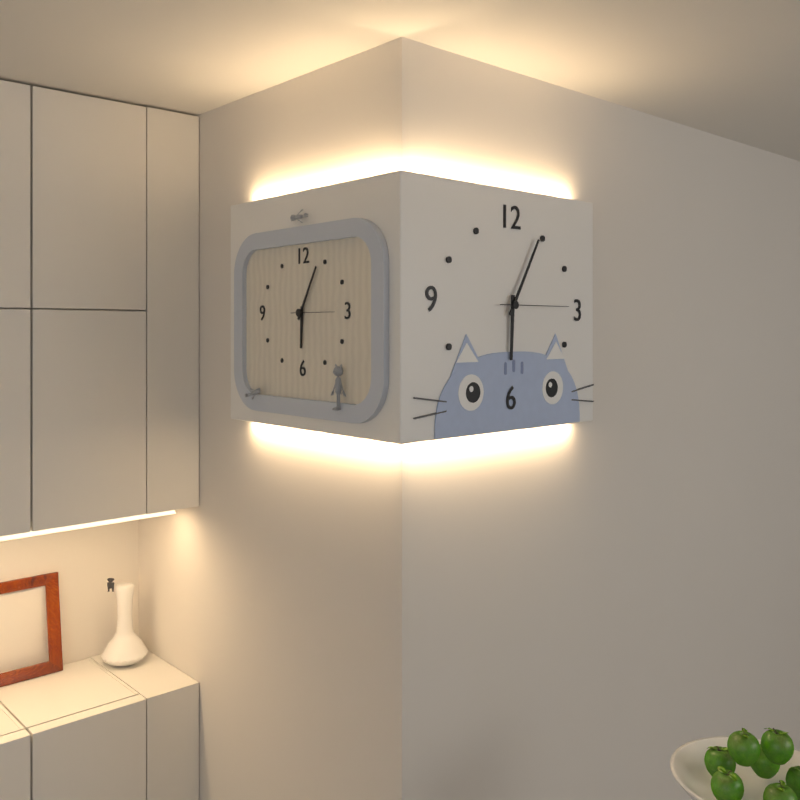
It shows 6.05.15
